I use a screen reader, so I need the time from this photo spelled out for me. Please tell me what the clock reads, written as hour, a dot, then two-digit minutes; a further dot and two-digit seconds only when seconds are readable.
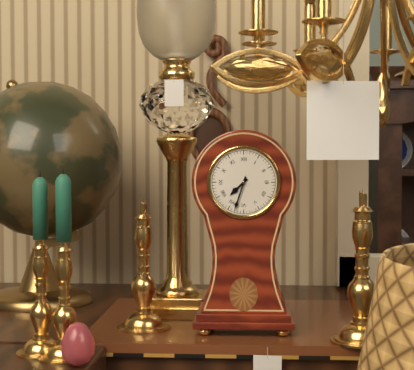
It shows 7.33
